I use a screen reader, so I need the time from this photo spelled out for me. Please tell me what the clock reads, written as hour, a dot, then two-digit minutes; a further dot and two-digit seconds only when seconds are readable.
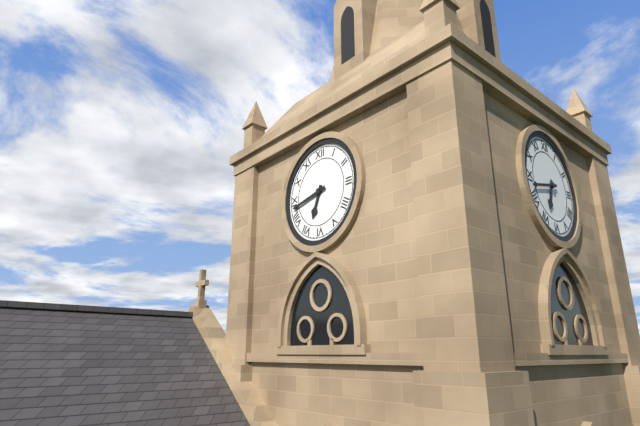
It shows 6.43
